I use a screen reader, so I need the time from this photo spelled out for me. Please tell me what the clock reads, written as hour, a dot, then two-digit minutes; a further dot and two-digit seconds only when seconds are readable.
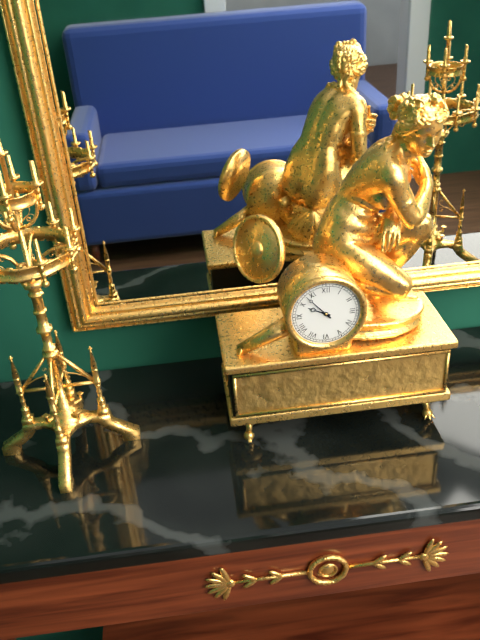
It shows 9.53
